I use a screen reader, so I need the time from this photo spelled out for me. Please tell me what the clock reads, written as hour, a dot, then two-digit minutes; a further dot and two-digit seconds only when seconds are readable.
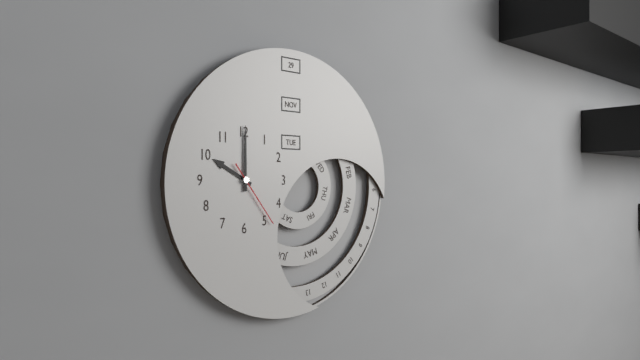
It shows 10.00.24
